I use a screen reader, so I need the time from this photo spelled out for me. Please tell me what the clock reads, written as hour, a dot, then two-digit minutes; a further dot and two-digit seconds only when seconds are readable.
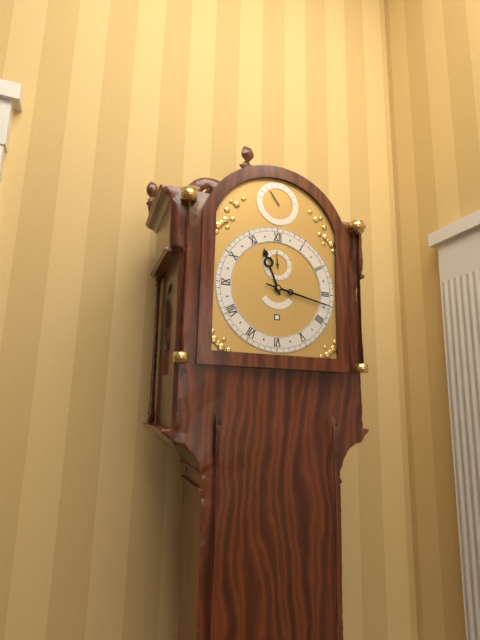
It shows 11.17
